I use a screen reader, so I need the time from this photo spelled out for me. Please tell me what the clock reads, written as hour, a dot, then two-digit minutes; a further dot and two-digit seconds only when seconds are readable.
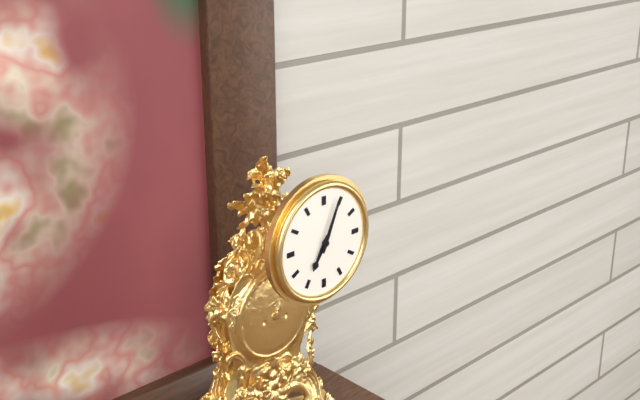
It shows 7.04
